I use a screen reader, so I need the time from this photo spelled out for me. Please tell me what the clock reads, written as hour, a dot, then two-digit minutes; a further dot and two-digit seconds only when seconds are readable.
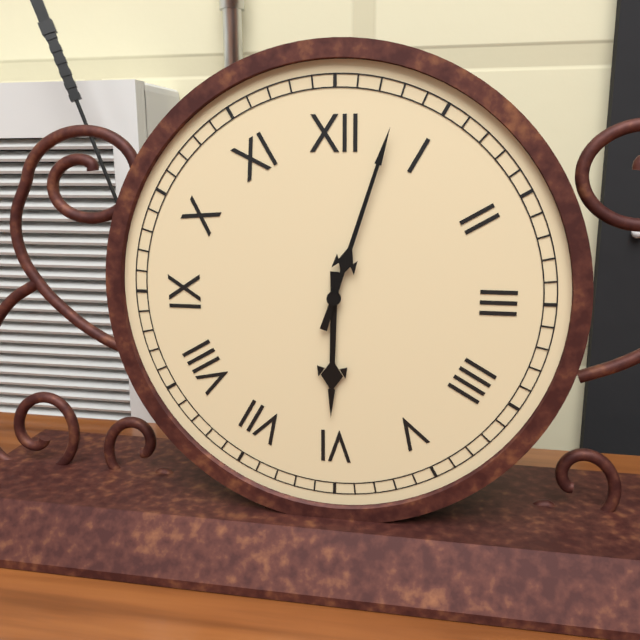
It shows 6.03
